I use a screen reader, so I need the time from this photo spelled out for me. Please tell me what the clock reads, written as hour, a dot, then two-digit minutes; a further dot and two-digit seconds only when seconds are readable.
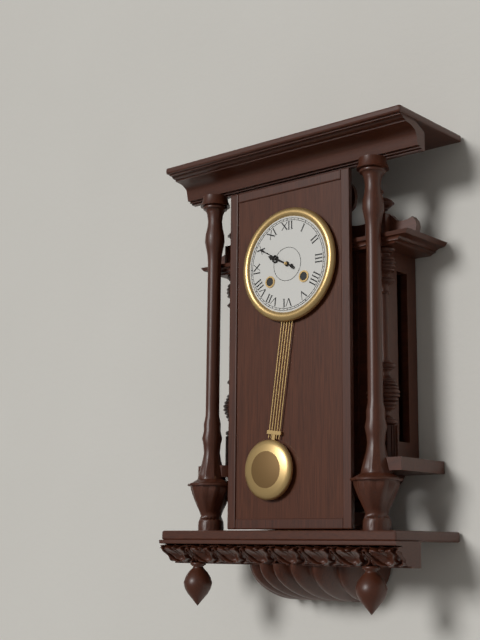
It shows 9.50
